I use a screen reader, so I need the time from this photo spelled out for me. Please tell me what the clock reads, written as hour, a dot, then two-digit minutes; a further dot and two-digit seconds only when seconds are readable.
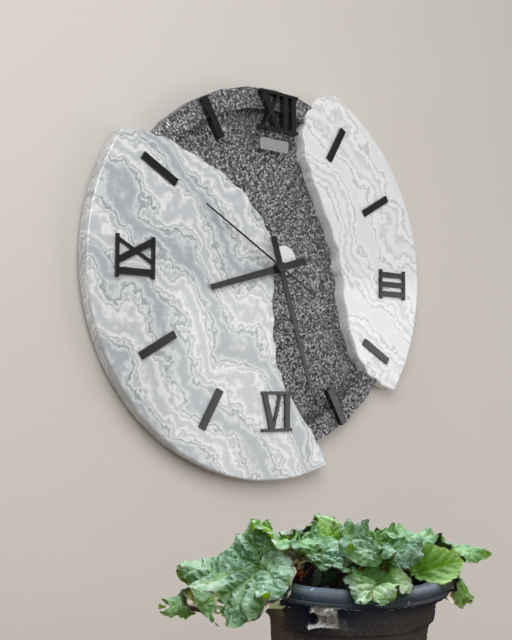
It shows 8.27.50
